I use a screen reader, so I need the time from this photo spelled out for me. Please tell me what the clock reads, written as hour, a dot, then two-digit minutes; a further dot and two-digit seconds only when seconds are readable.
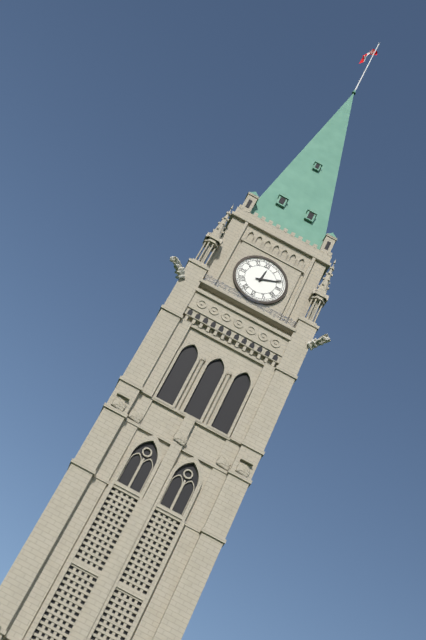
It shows 12.11
